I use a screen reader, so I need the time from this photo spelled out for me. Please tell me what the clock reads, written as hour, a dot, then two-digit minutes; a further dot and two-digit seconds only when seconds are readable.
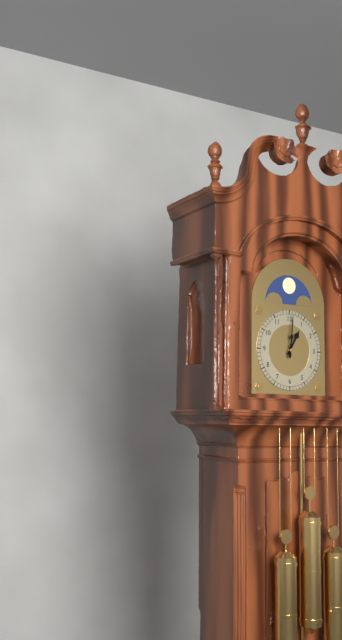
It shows 1.01
